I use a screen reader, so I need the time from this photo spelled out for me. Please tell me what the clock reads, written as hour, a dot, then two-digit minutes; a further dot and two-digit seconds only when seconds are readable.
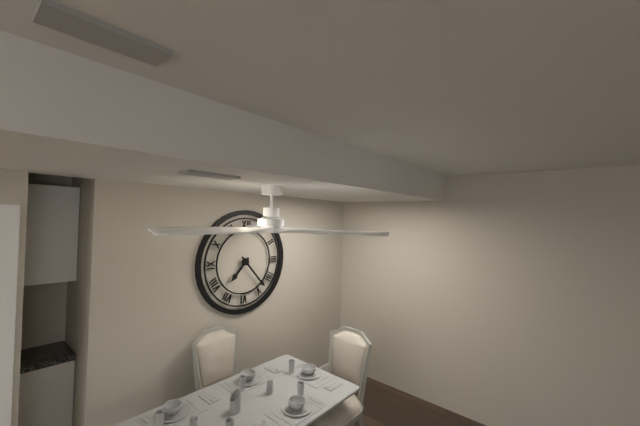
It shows 7.23
